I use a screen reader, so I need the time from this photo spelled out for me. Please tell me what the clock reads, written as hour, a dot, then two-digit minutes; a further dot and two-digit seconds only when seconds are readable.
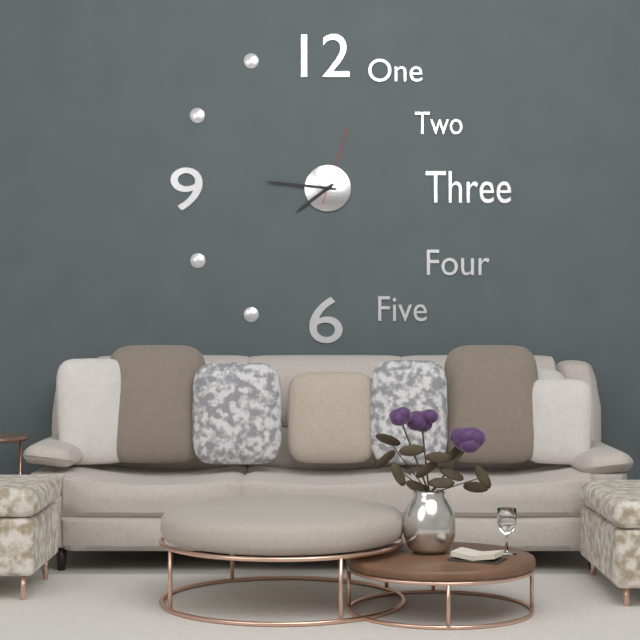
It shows 7.46.03
